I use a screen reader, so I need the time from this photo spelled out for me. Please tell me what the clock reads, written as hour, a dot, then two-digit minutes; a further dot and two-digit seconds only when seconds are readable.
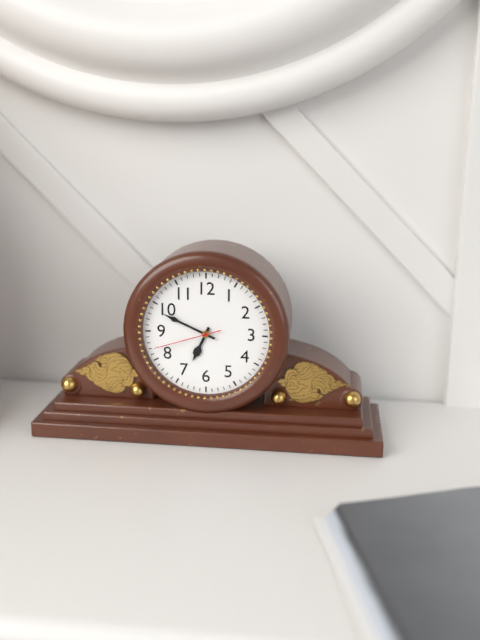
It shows 6.49.42
